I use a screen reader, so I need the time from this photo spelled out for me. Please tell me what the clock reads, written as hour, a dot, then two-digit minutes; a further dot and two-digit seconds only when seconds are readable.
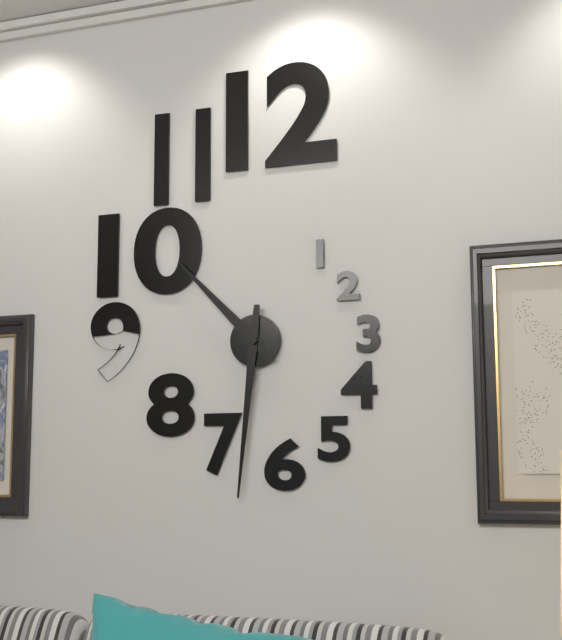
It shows 10.31
